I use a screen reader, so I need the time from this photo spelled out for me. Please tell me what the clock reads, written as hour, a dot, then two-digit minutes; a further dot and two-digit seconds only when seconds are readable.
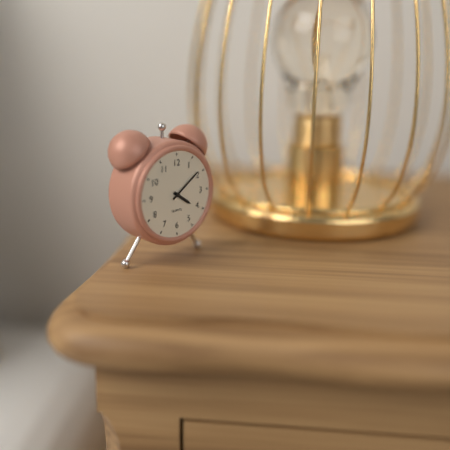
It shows 4.09
